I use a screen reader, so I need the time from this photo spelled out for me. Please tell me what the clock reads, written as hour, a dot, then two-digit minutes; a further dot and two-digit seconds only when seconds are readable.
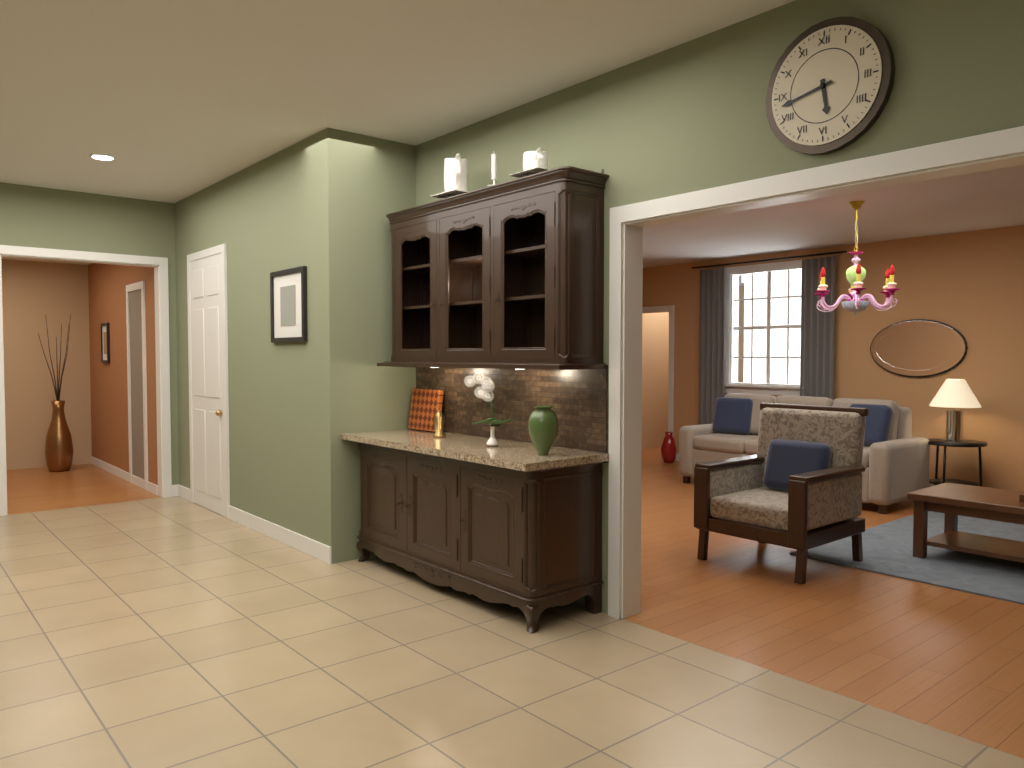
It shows 5.43
